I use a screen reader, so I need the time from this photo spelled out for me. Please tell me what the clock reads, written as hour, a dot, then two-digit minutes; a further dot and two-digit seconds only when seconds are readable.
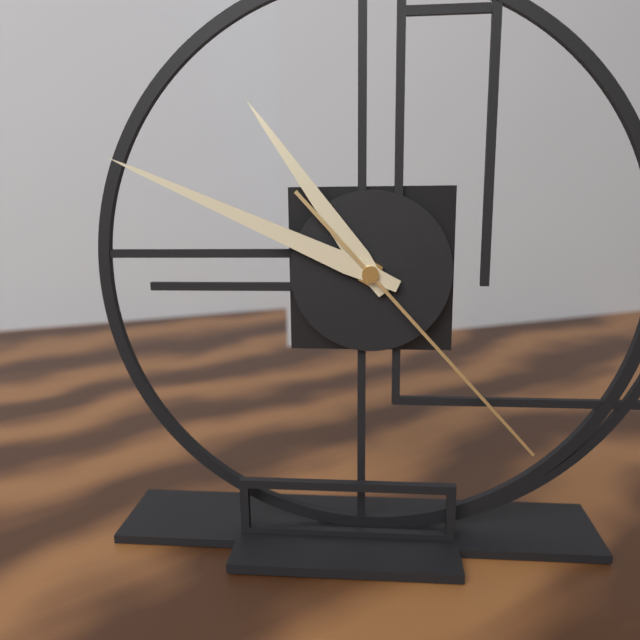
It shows 10.49.23
